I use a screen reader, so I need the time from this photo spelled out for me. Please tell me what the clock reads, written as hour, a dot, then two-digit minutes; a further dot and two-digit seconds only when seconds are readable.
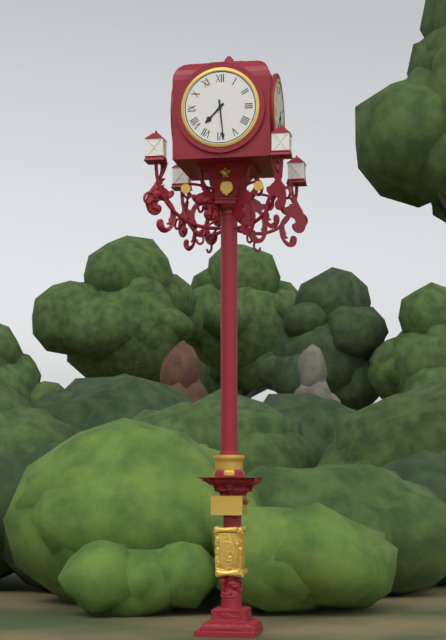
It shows 7.29
